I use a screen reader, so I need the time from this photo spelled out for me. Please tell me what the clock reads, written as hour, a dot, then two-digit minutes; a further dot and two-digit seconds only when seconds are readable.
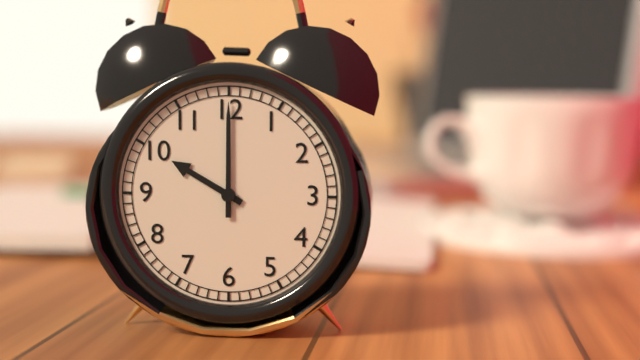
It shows 10.00
